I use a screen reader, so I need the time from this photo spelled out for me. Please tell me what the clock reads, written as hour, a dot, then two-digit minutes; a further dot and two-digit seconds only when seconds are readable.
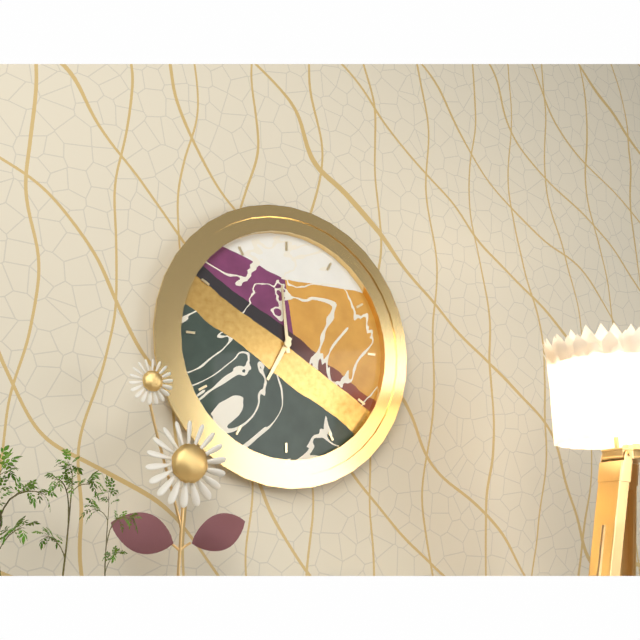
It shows 6.59
